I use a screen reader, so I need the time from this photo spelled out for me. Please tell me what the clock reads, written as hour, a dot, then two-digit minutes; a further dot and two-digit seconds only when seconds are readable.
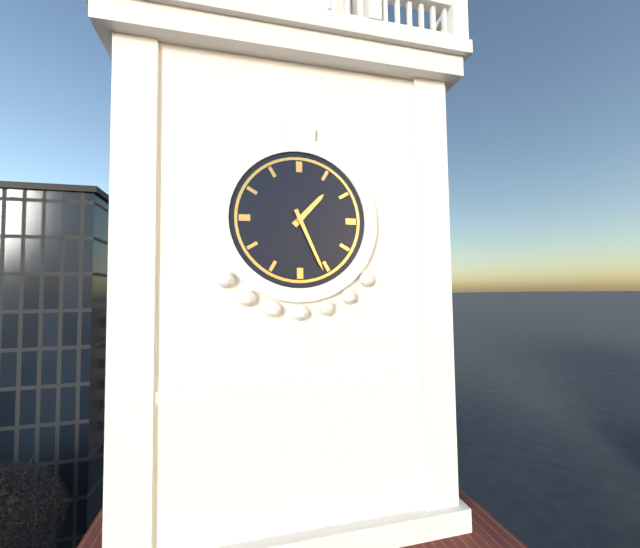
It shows 1.26
